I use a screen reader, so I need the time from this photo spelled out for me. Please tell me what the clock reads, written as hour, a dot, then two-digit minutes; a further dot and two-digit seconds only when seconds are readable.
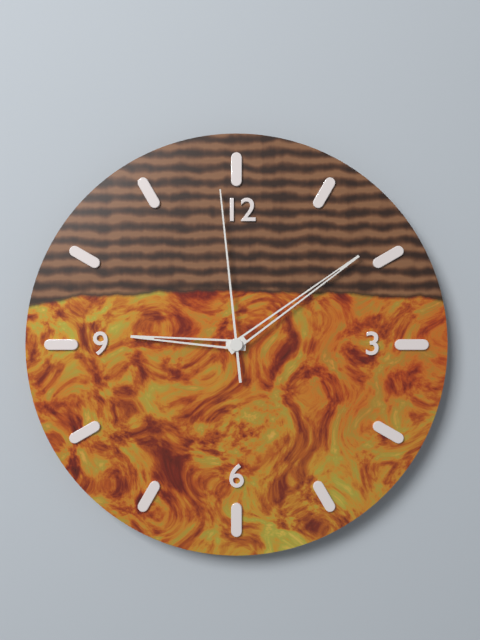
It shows 9.09.59
